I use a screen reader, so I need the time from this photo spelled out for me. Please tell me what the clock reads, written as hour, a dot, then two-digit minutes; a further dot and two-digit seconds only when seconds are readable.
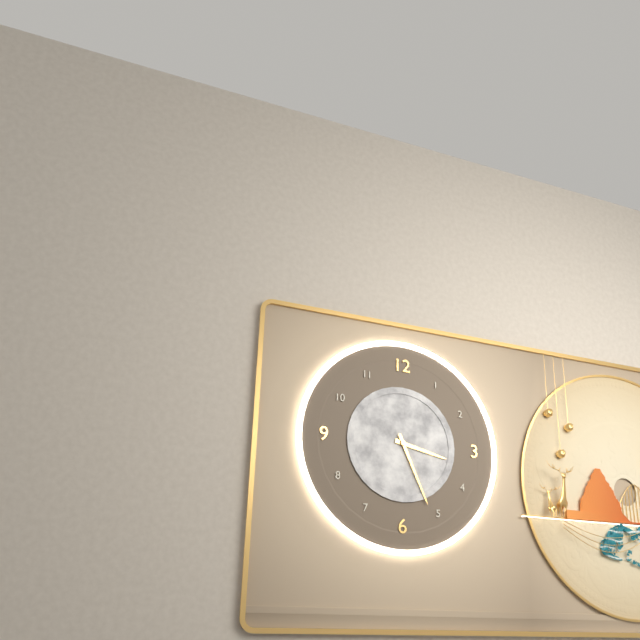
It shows 3.26
